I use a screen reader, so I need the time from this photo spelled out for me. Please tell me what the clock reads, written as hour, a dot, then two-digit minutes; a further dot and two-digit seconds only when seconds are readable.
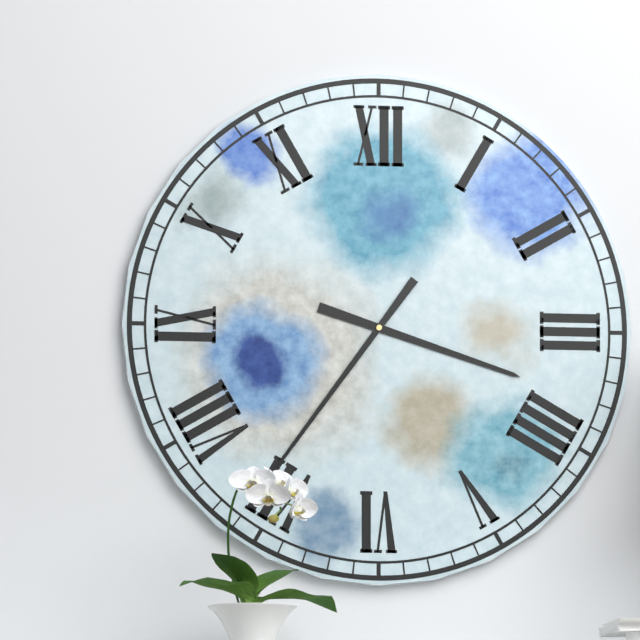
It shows 3.36
